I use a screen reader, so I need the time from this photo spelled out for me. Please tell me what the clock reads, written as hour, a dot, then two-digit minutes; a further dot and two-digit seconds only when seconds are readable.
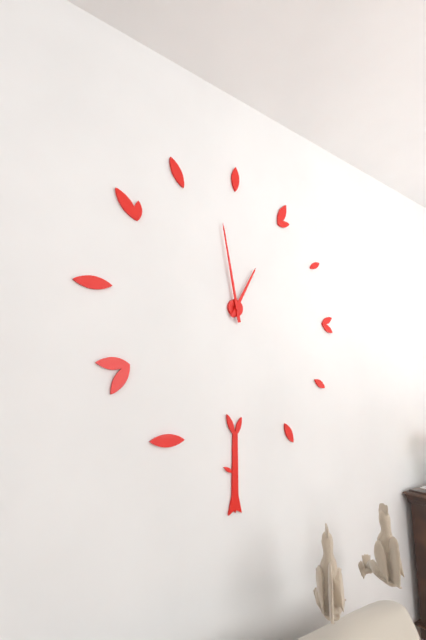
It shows 12.58
